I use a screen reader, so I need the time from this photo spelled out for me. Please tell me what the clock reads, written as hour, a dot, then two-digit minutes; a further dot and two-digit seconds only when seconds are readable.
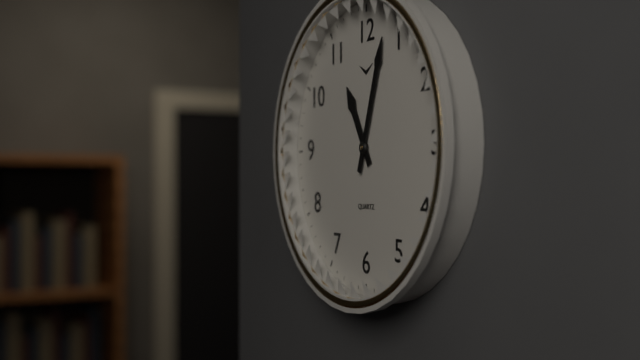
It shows 11.03
